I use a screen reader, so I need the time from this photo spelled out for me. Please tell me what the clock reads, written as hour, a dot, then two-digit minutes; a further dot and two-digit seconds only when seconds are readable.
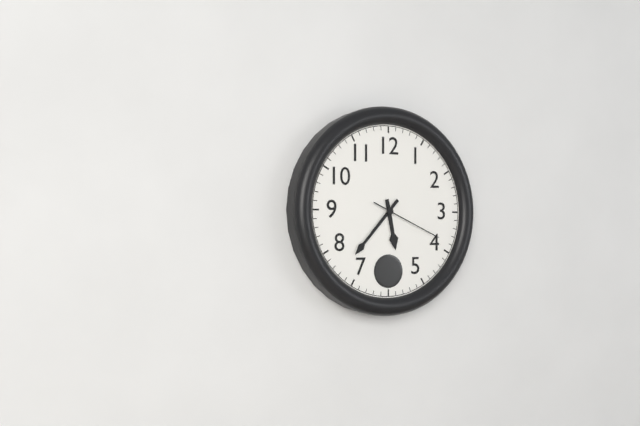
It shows 5.37.19
